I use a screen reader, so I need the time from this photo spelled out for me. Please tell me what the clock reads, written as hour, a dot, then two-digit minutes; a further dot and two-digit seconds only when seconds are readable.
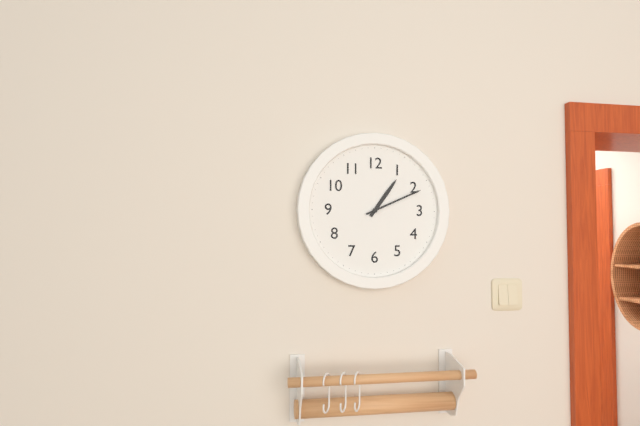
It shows 1.11
